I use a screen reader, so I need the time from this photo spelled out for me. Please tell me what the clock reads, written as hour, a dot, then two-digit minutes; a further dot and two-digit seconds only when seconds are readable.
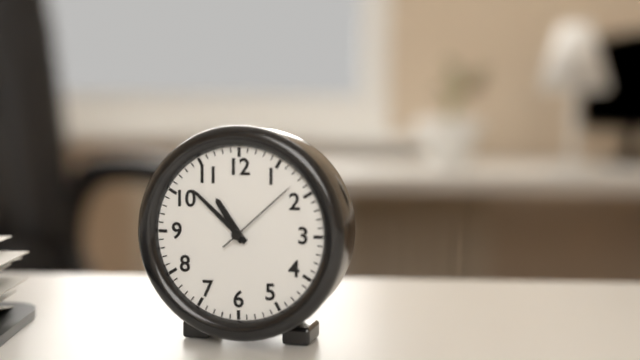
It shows 10.52.08
